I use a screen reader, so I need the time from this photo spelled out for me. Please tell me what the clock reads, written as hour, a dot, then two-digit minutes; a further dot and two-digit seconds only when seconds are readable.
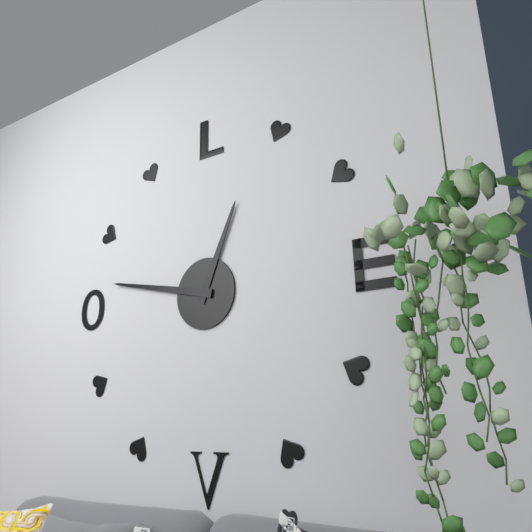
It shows 12.47
